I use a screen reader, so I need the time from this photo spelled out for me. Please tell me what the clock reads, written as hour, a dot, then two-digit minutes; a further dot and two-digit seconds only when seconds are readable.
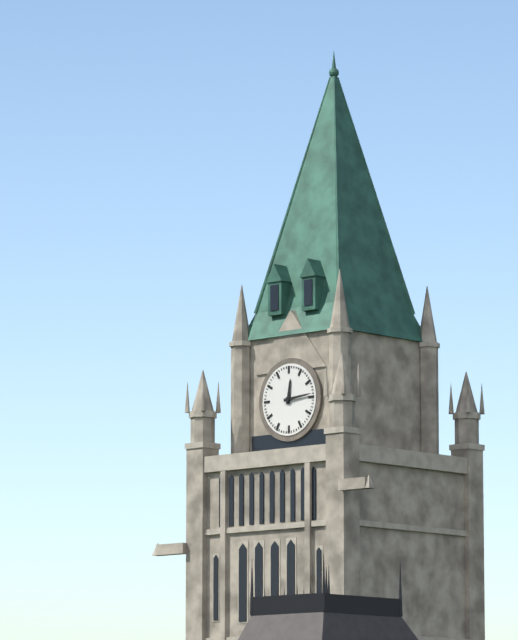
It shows 12.14
